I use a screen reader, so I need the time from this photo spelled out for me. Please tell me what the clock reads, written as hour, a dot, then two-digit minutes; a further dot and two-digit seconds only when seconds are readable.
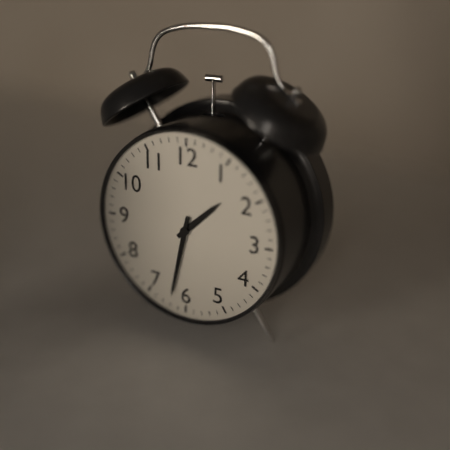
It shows 1.32
